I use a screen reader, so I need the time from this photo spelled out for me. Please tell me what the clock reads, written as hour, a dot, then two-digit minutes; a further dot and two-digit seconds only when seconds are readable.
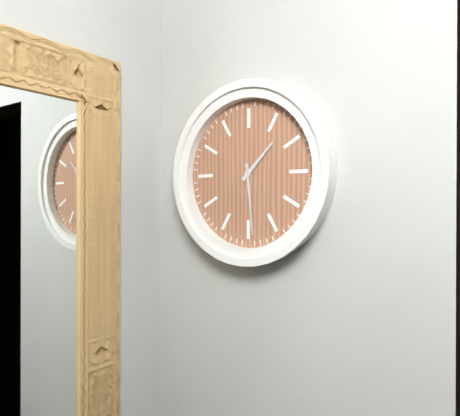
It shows 1.29
